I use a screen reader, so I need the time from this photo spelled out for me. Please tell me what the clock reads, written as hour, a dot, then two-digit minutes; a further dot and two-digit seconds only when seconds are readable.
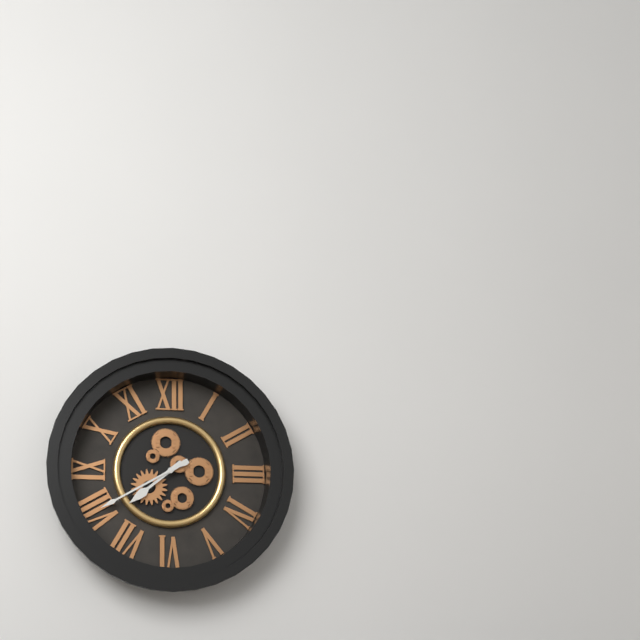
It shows 7.40
